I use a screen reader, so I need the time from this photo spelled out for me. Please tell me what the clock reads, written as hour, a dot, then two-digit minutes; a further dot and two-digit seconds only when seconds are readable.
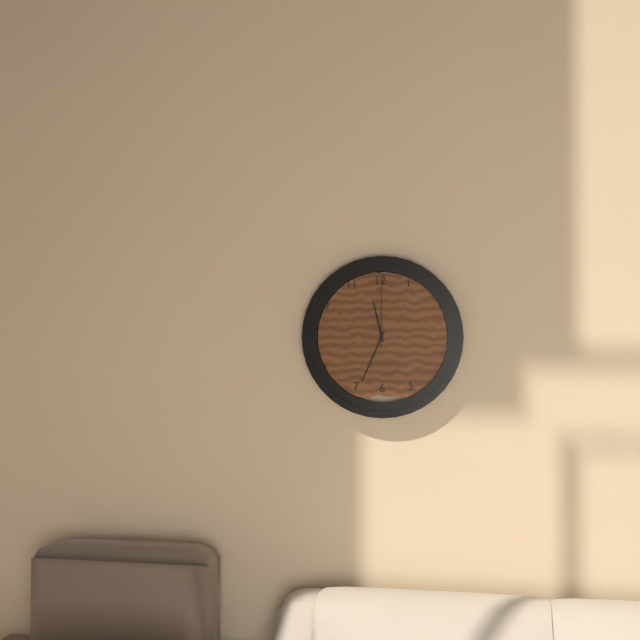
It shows 11.34.00
